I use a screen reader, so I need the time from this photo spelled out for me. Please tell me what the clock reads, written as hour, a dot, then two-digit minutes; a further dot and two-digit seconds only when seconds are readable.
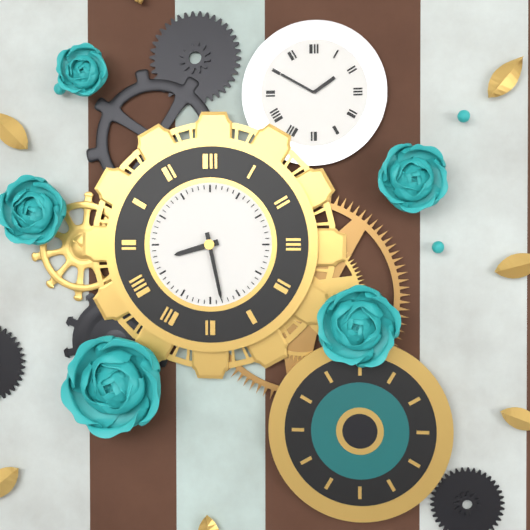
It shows 8.28
